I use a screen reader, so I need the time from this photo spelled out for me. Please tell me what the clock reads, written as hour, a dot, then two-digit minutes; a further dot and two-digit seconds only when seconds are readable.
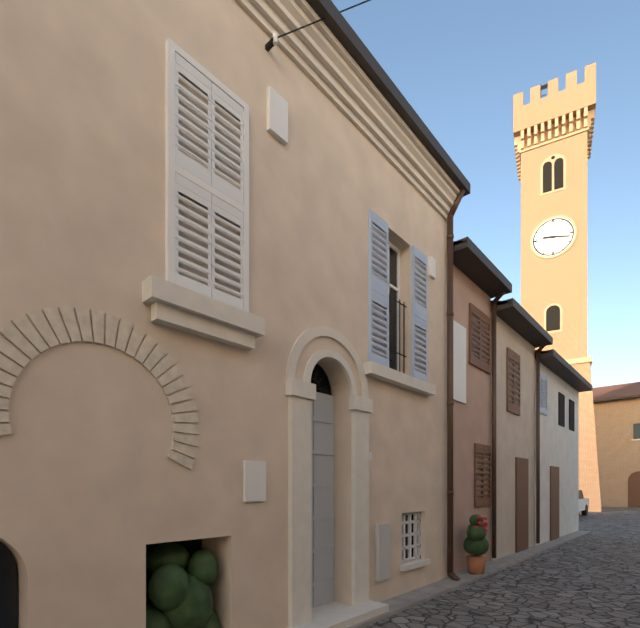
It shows 9.17
